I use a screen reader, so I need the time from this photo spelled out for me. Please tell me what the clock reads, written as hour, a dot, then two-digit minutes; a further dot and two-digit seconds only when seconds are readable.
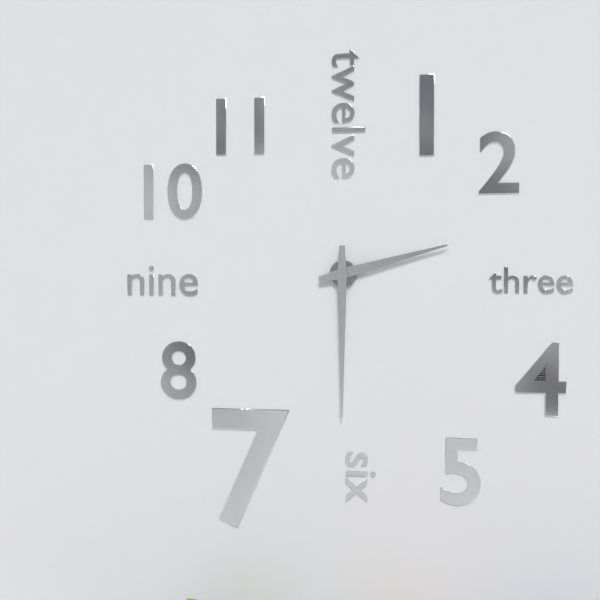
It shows 2.30
